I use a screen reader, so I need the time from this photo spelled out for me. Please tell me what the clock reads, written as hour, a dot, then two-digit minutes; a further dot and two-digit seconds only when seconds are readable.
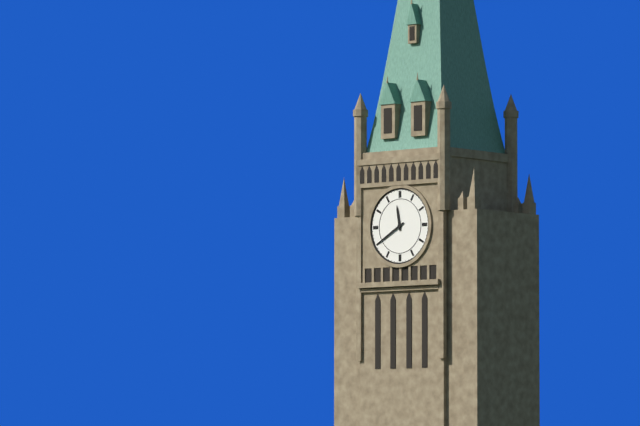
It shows 11.40
